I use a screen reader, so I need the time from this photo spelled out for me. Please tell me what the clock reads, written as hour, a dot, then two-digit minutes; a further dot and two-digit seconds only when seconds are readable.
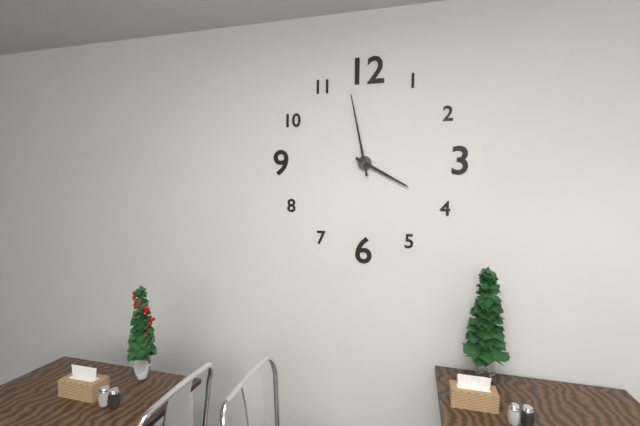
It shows 3.58
